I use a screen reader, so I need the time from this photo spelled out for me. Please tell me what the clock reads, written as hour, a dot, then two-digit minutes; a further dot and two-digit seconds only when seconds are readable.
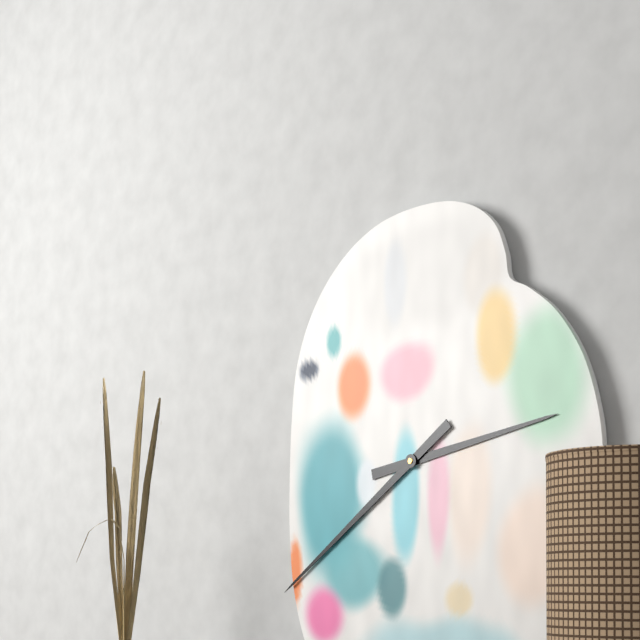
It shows 2.39
